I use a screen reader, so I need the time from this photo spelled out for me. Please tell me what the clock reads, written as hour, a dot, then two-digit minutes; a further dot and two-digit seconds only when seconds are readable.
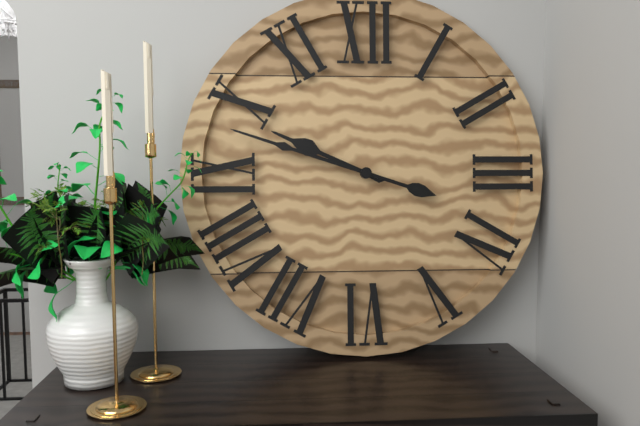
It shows 9.48
